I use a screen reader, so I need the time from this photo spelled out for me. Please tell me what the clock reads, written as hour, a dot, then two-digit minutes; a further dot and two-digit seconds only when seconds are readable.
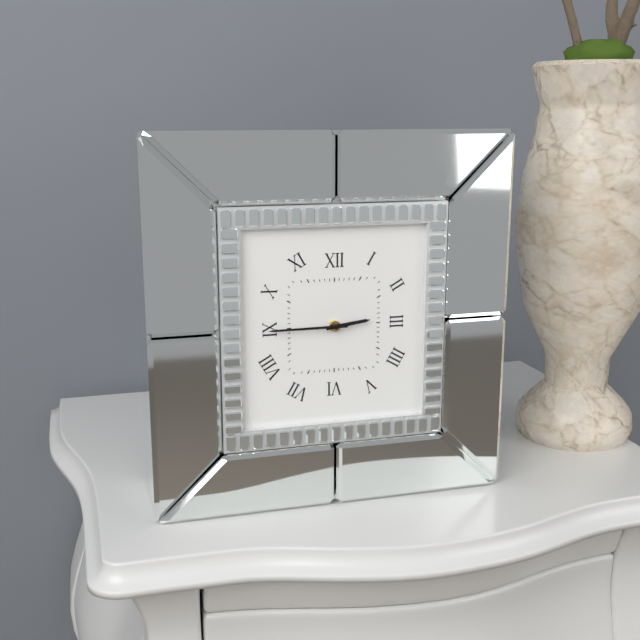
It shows 2.45
